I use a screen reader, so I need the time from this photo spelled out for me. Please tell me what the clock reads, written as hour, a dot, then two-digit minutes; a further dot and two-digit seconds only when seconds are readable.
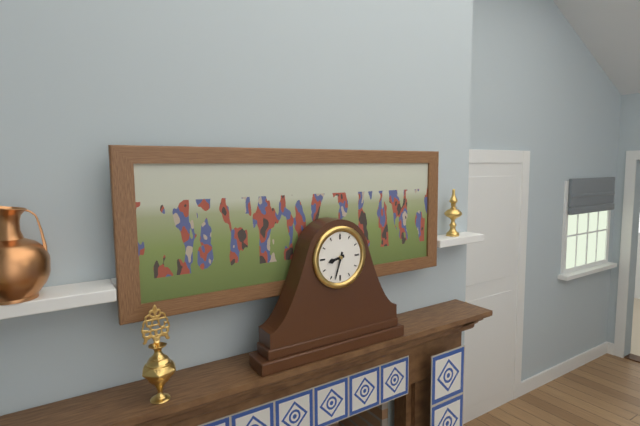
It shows 8.33
